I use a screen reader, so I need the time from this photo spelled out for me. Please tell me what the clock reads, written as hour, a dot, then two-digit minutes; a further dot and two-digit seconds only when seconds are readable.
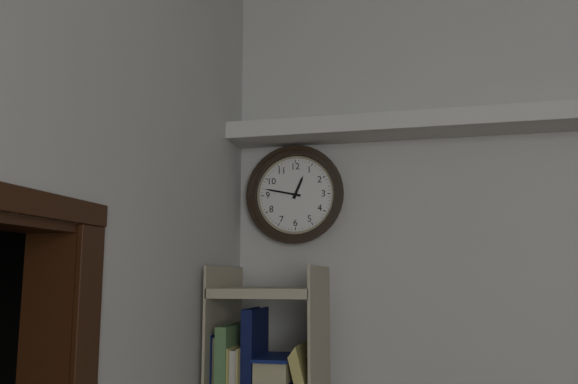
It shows 12.47
